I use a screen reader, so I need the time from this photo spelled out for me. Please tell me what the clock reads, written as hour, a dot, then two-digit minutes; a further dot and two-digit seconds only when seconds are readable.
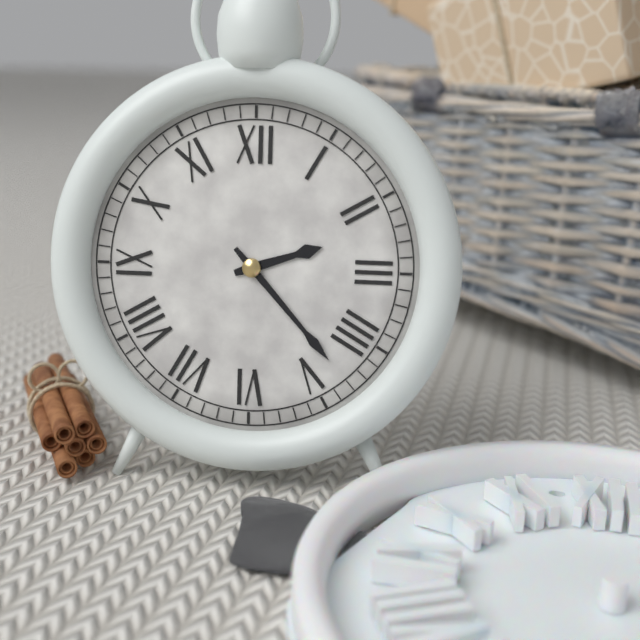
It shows 2.23
